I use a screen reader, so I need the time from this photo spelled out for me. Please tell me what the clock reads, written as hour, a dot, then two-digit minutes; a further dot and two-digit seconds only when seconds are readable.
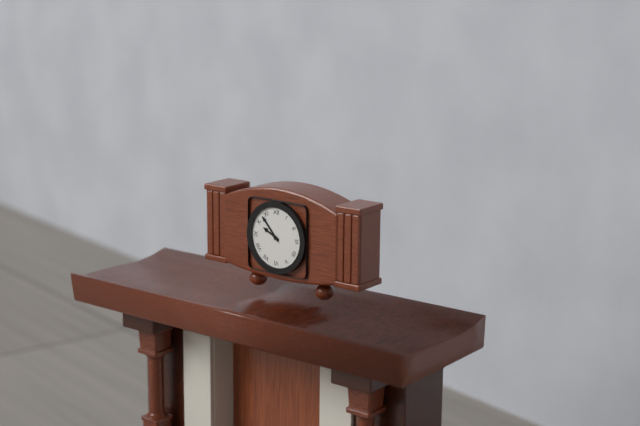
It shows 9.53
